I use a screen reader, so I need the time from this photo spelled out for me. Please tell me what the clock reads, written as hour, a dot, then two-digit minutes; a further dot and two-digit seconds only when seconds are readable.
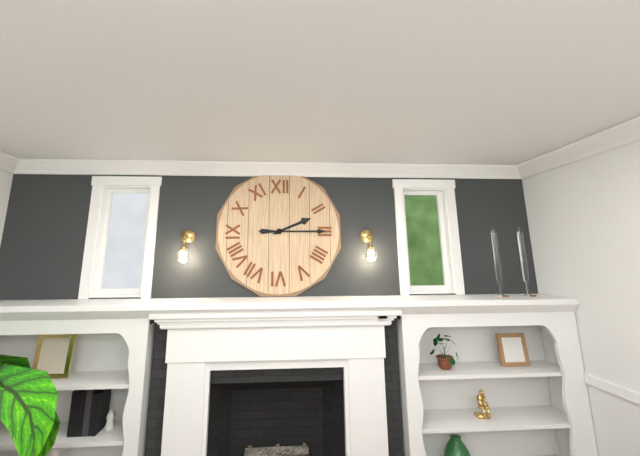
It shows 2.15
